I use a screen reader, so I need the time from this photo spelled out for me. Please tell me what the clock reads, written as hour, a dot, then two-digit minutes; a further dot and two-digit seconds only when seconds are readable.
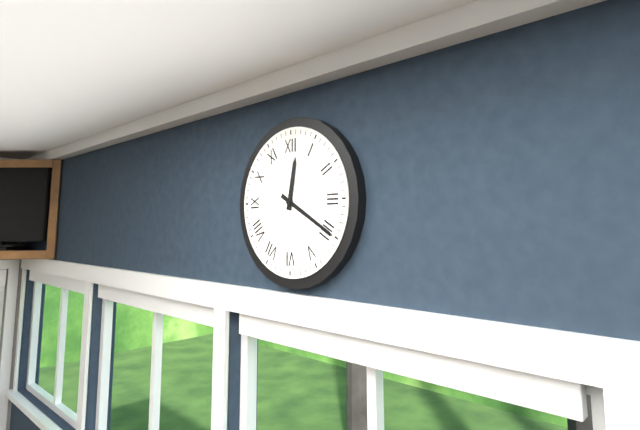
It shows 12.20
